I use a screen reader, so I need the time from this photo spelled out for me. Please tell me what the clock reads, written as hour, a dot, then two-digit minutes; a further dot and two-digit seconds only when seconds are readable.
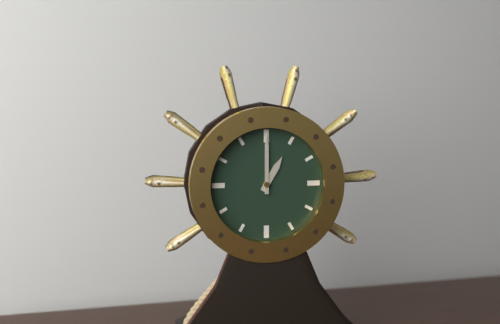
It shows 1.00
